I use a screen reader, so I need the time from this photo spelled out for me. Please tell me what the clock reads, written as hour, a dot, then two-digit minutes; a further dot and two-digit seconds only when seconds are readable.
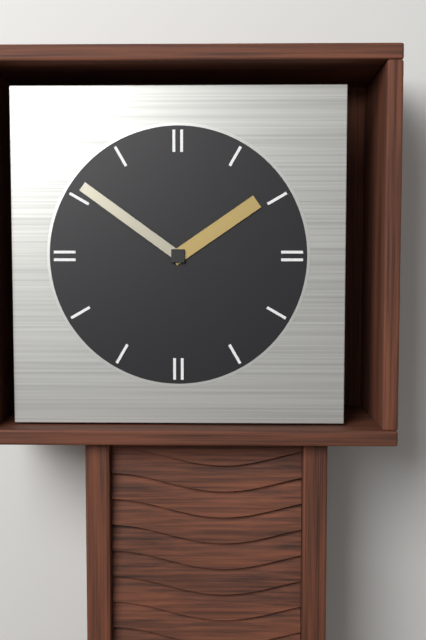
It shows 1.51
